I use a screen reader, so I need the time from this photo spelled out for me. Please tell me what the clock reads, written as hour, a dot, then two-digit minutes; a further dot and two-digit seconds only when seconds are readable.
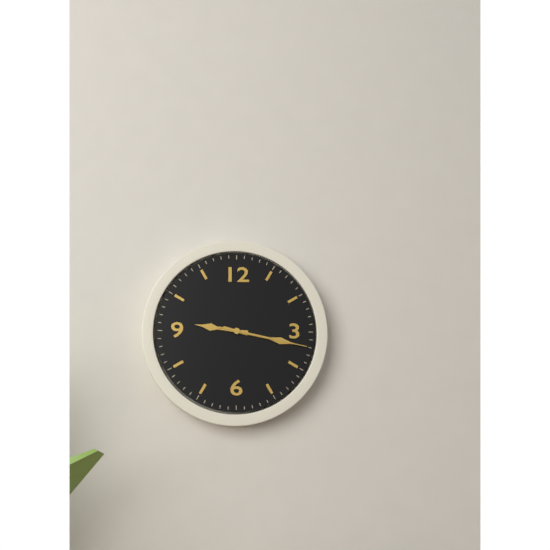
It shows 9.17.17
